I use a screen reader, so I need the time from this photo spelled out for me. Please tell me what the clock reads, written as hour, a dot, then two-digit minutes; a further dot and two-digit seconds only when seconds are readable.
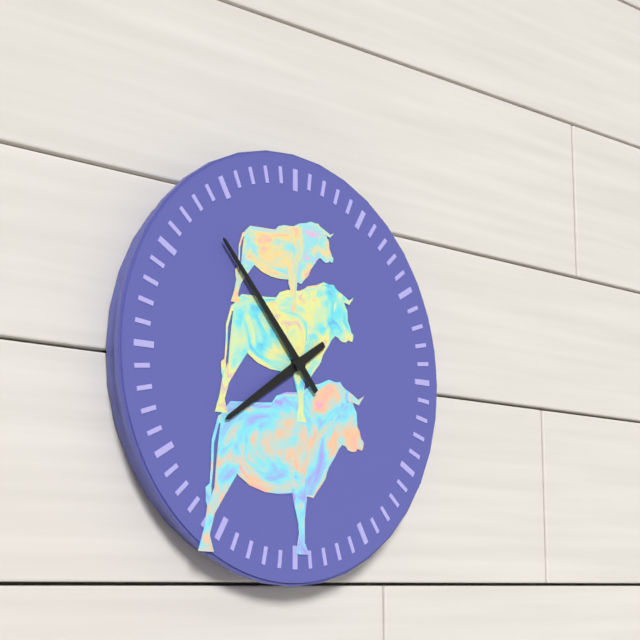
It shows 7.53
